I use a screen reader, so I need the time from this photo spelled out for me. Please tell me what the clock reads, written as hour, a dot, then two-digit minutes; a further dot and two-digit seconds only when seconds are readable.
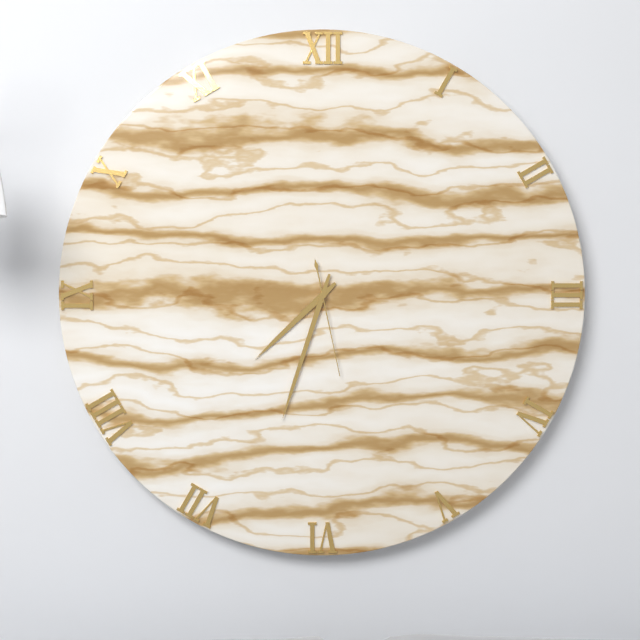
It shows 7.33.28
